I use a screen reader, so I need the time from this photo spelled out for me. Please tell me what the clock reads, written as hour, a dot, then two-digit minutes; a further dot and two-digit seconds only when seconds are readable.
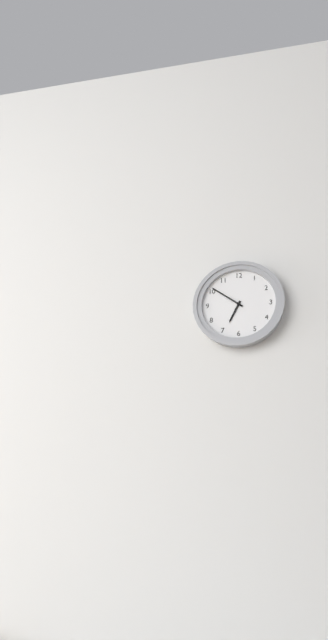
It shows 6.51
